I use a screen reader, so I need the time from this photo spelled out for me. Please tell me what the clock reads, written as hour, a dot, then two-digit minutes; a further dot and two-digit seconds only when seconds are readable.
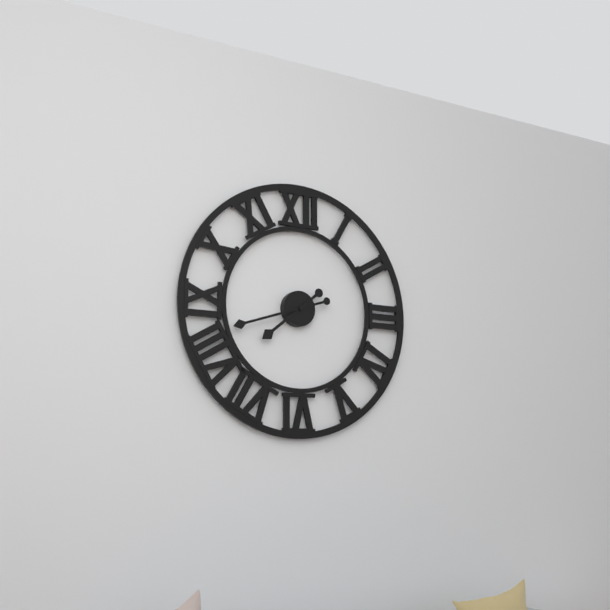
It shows 7.42
